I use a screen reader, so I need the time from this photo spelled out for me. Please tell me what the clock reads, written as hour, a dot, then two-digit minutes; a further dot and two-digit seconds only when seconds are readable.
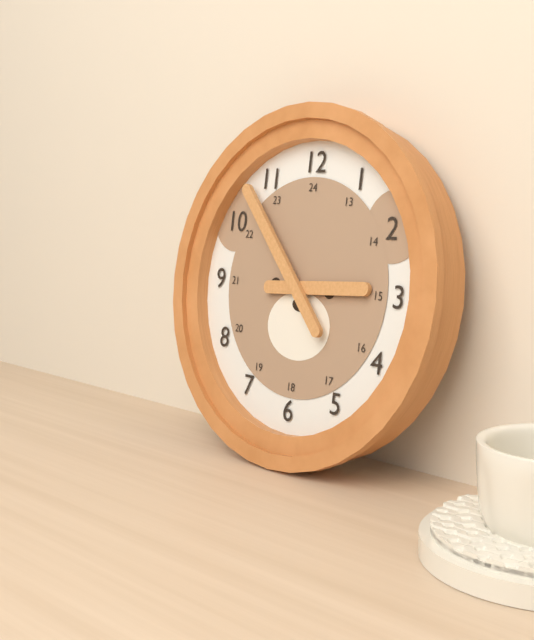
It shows 2.53
